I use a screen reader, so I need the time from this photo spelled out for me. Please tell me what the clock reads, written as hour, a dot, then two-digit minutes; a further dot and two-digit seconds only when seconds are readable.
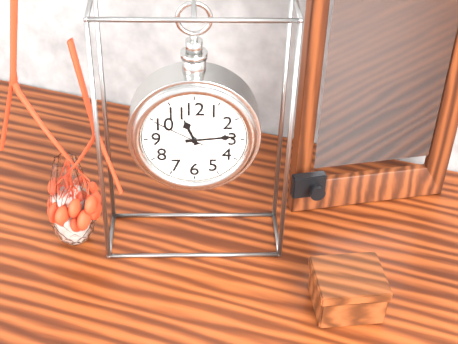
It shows 11.14.50
